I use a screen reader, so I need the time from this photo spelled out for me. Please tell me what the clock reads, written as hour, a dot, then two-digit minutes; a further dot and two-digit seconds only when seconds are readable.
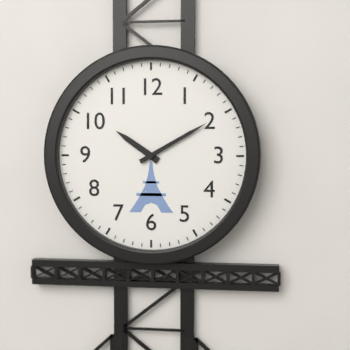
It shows 10.10
